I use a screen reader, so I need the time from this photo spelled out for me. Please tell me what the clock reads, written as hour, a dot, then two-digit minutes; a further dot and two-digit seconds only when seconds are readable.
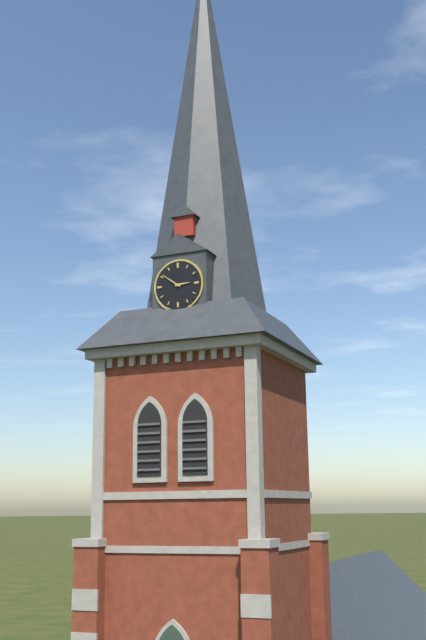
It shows 2.51
